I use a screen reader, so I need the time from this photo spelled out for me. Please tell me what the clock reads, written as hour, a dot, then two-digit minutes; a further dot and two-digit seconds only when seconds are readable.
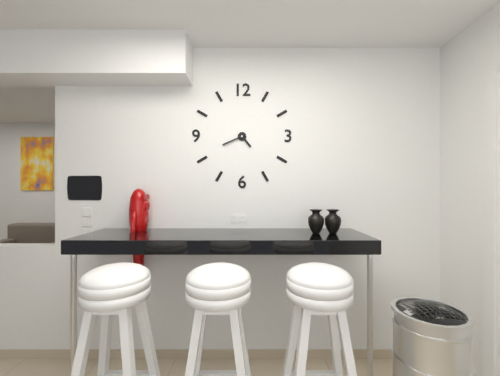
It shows 4.41
